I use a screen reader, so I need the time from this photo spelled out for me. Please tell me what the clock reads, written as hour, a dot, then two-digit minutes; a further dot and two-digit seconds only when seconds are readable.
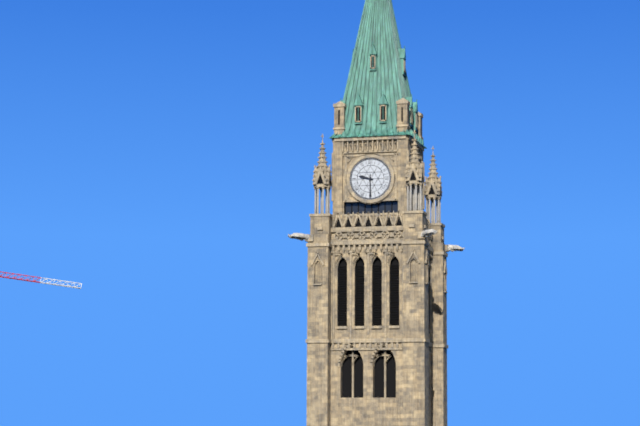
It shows 9.30
